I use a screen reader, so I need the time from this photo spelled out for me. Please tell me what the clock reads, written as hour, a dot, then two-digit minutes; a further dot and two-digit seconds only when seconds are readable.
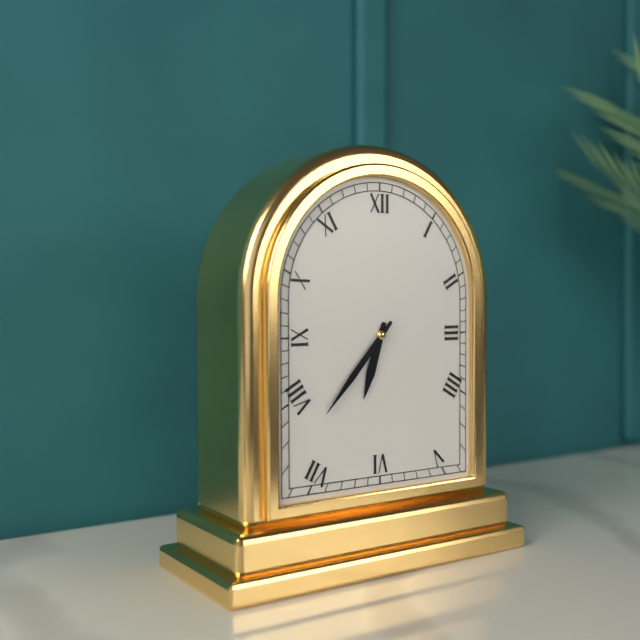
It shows 6.37
